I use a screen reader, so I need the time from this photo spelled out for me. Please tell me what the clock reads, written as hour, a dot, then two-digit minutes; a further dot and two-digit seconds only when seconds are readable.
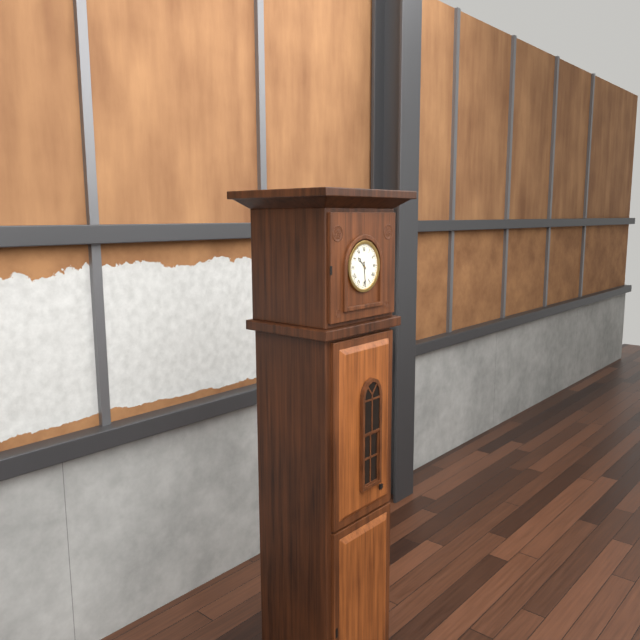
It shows 10.29
